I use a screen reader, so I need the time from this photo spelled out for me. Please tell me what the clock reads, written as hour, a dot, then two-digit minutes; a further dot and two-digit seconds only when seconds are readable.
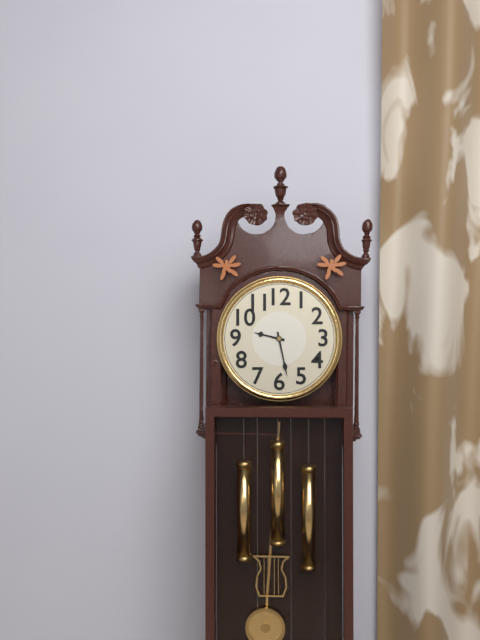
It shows 9.28
